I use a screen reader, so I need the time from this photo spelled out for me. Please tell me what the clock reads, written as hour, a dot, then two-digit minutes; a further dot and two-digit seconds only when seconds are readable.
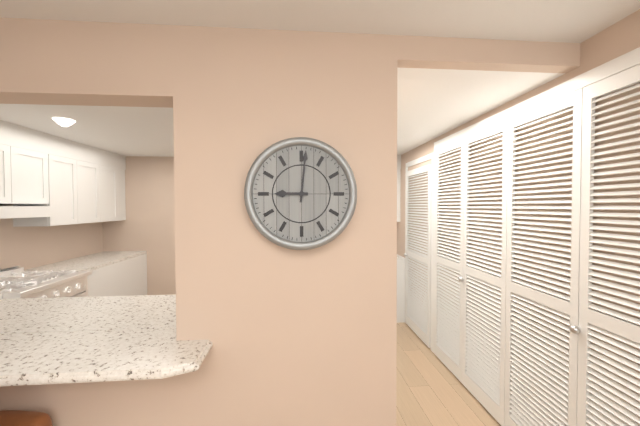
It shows 9.01
